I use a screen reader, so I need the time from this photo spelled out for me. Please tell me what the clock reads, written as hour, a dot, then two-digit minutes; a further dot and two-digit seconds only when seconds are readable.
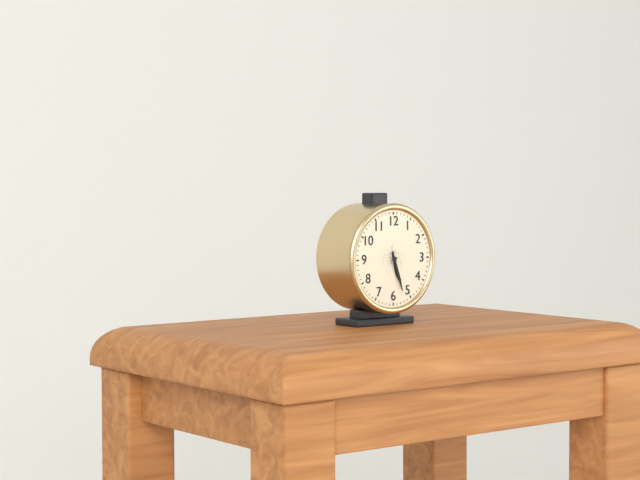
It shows 5.27
